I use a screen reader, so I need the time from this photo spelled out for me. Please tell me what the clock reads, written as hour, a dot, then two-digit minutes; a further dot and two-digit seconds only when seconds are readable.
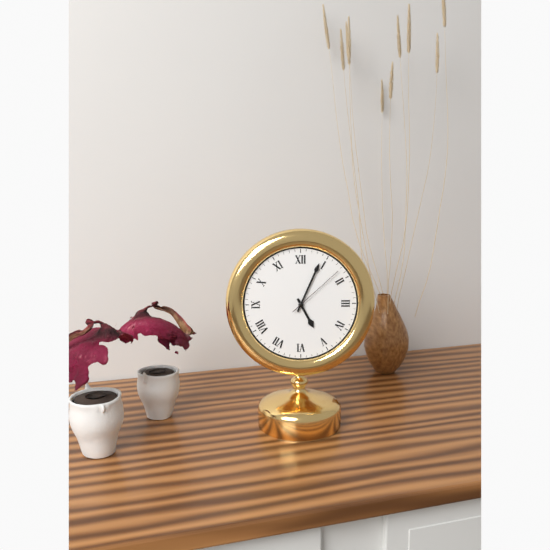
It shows 5.04.08
